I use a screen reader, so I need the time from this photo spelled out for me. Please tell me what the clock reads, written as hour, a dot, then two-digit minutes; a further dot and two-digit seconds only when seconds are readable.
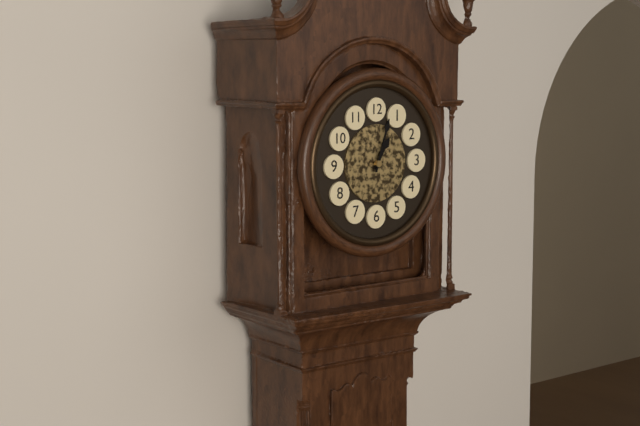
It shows 1.03
